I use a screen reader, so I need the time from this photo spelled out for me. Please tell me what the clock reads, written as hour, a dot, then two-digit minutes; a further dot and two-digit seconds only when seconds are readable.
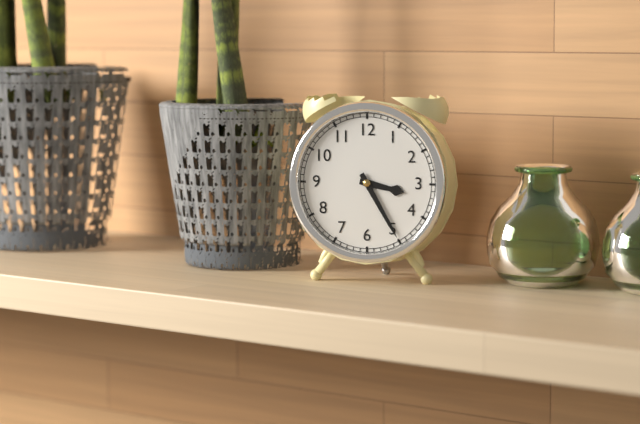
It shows 3.25
